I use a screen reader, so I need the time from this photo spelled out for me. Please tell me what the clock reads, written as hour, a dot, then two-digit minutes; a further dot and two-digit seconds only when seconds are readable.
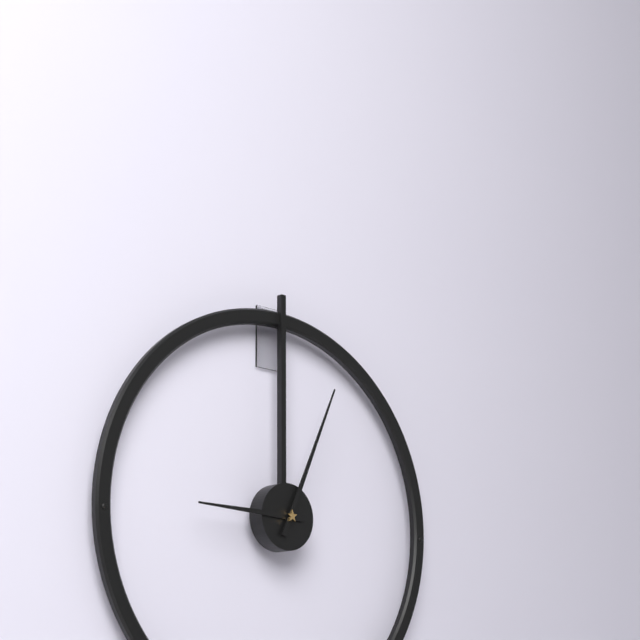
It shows 9.04
